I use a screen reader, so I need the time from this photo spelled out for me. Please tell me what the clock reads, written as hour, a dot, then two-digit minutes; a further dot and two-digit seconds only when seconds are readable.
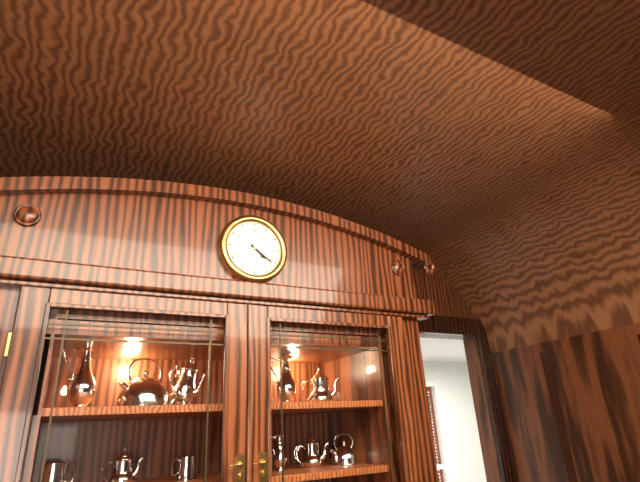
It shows 4.21
